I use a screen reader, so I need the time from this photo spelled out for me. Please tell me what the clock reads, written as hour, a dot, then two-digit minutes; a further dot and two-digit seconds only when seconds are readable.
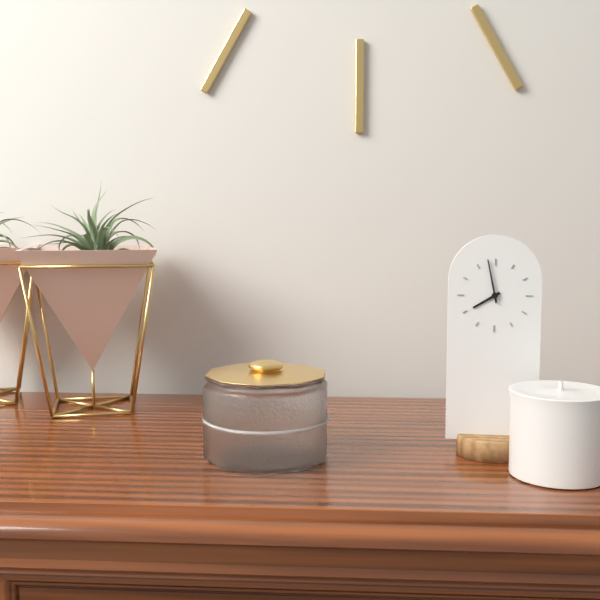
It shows 7.58
